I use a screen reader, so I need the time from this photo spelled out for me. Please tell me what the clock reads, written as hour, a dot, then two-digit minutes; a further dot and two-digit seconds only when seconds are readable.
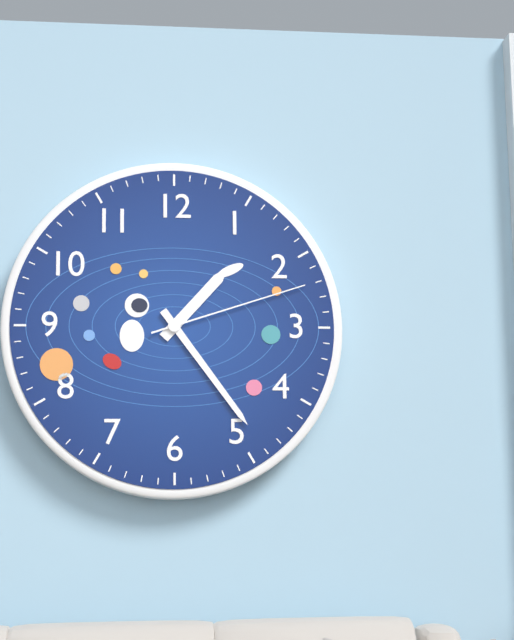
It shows 1.24.12
